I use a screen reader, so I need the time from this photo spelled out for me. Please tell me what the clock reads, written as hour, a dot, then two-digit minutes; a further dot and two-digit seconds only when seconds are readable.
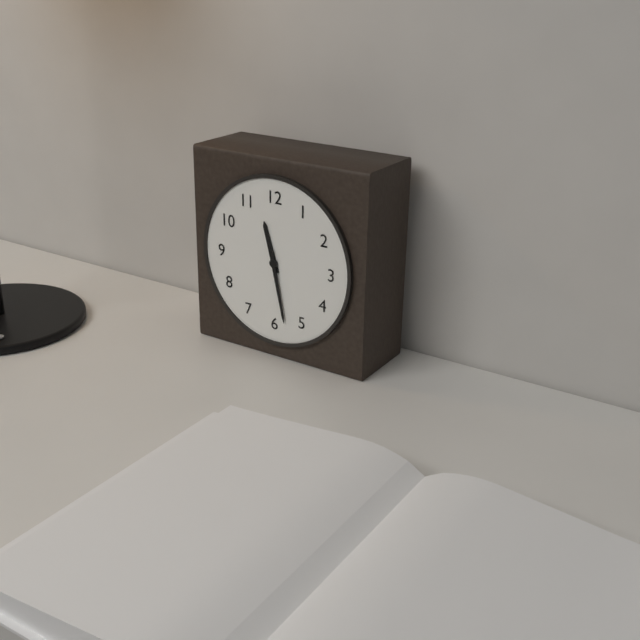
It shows 11.28
